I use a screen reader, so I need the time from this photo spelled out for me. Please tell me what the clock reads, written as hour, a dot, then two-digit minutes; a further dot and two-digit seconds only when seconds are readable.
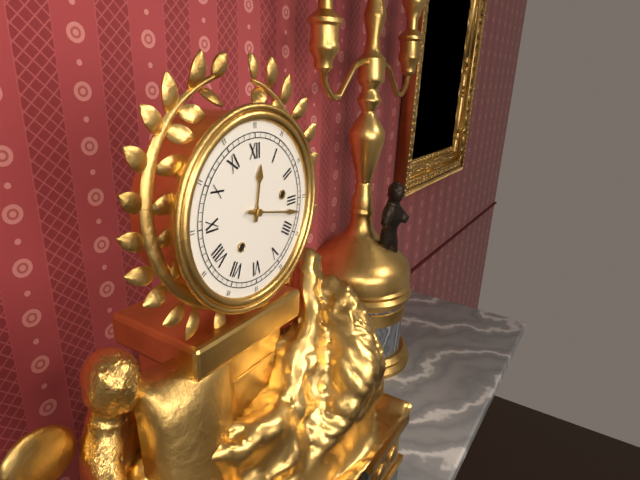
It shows 12.17
